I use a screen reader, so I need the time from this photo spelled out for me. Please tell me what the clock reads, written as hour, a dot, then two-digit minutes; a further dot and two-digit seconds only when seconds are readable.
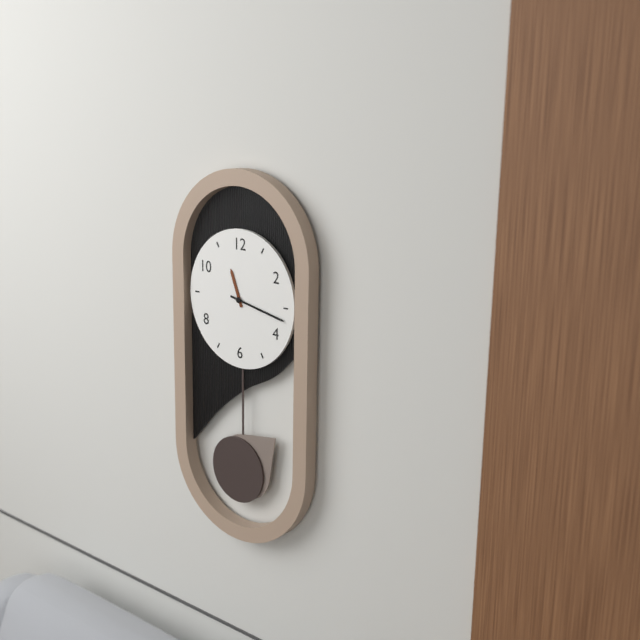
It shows 11.17
